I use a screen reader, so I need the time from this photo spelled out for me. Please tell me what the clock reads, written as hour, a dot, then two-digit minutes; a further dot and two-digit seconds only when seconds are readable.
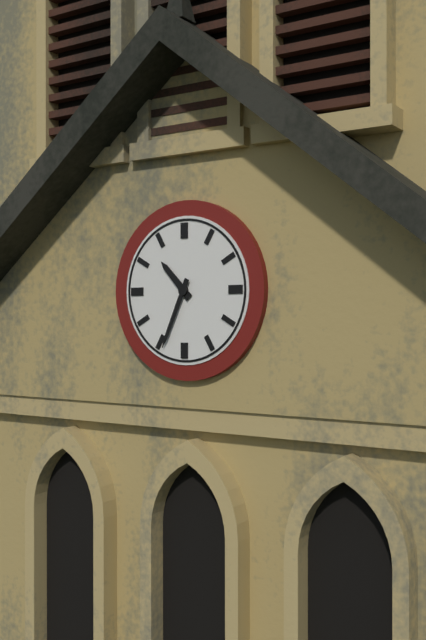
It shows 10.34
